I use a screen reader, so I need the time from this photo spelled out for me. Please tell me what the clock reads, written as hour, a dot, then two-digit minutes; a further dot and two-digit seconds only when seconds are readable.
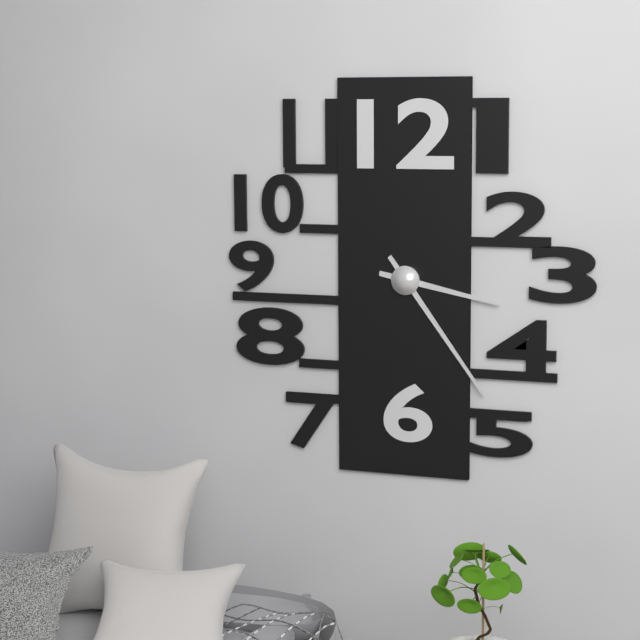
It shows 3.24
